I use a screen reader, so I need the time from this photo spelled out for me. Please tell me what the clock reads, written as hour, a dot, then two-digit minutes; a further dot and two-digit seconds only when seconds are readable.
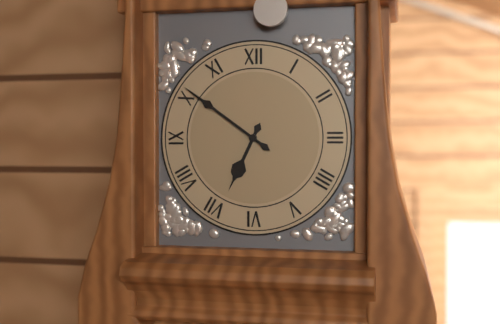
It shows 6.51
